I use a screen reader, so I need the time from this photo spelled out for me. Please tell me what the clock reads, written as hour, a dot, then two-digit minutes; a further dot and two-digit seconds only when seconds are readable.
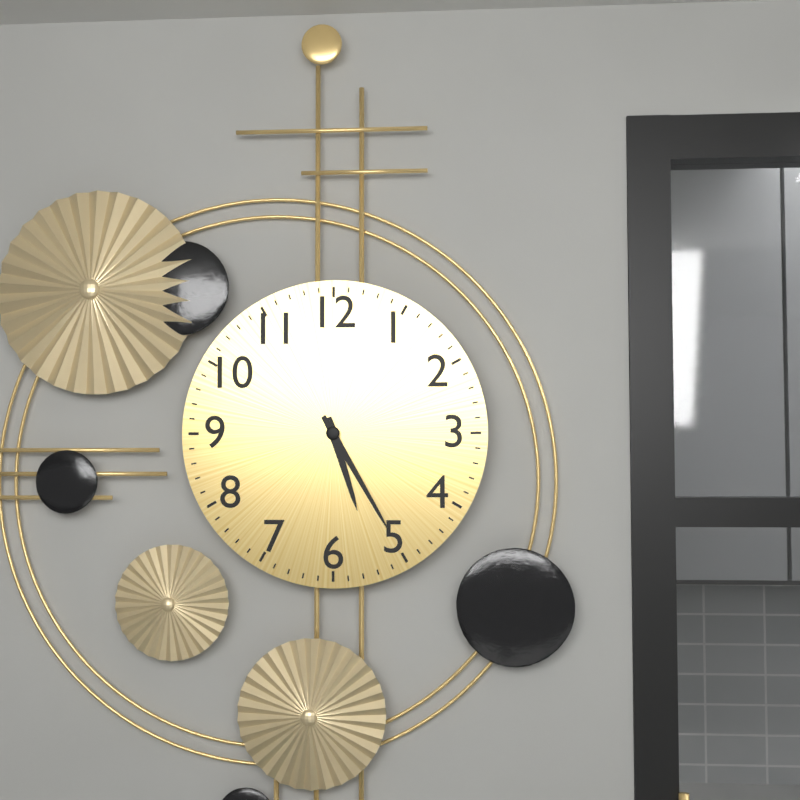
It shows 5.25
